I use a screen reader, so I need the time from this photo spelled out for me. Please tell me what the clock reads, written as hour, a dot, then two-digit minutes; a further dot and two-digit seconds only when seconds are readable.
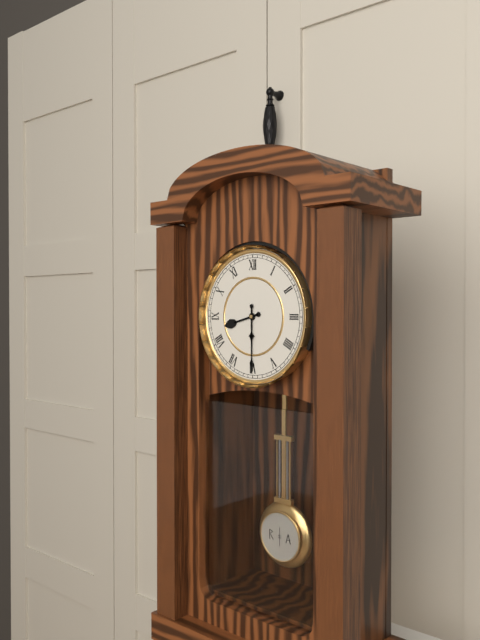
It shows 8.30
